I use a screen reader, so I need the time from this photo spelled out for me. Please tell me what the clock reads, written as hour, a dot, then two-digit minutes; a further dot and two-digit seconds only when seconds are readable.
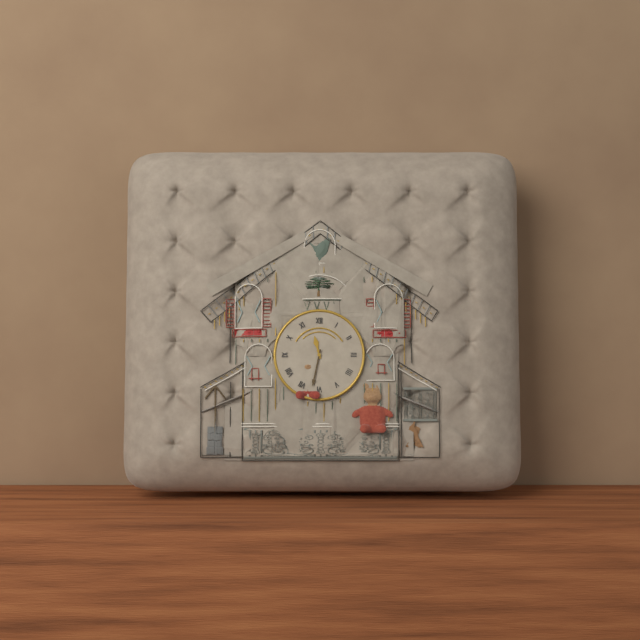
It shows 11.32
